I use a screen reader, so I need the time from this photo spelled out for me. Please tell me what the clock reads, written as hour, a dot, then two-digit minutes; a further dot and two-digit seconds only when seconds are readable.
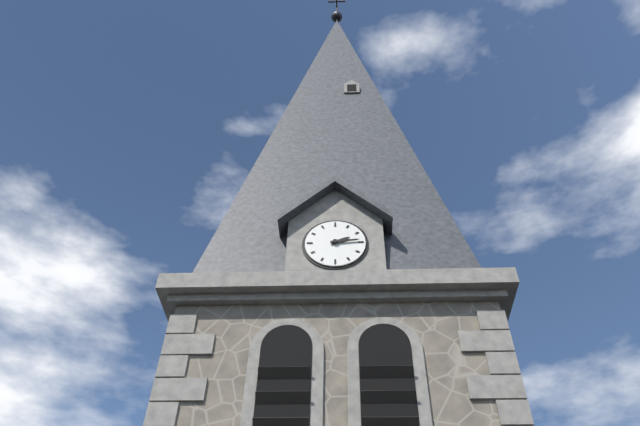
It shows 2.14
